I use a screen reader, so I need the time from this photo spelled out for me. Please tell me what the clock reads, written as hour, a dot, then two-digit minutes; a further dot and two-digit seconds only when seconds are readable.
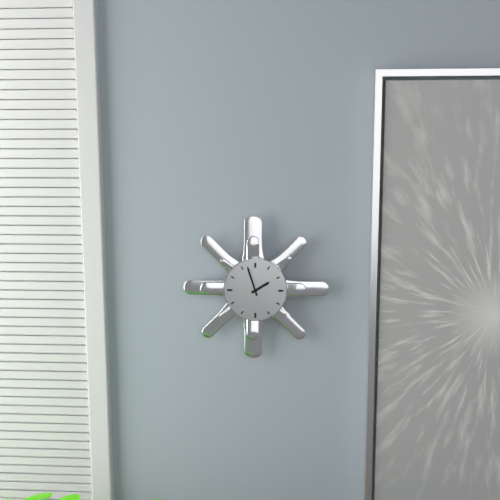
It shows 1.57
